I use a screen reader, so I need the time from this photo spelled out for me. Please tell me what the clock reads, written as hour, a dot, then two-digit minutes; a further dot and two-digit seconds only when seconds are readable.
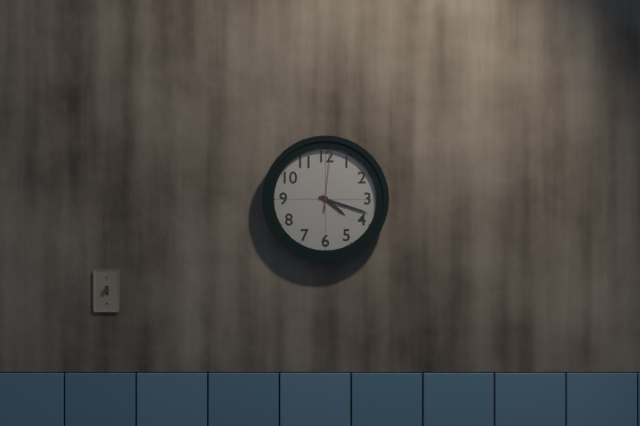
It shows 4.18.01
